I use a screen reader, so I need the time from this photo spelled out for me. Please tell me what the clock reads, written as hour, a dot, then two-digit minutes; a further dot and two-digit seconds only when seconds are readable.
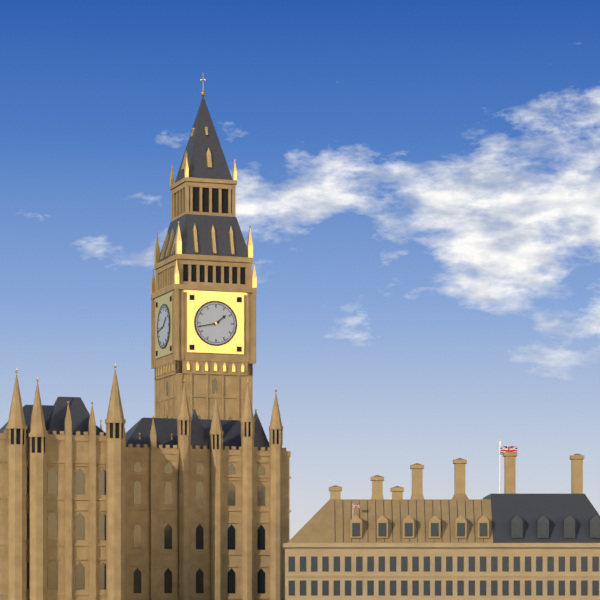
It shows 1.43
